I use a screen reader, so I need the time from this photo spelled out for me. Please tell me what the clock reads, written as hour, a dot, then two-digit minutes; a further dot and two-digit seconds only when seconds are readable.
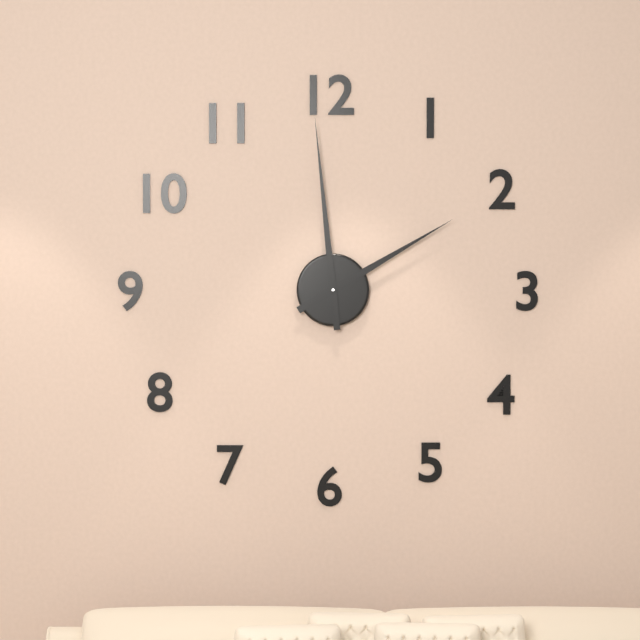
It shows 1.59
